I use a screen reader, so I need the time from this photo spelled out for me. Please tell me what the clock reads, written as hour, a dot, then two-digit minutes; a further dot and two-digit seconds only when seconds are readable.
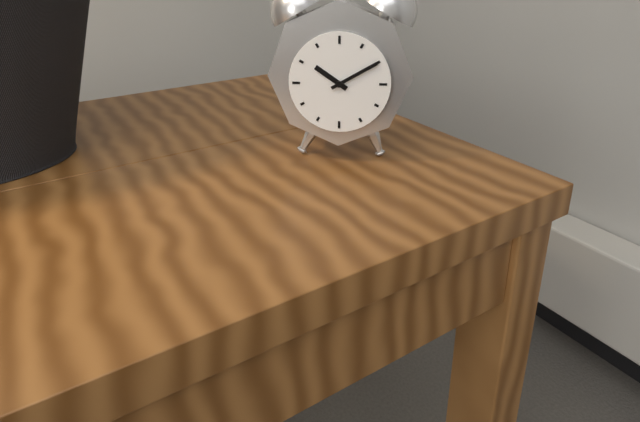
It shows 10.10
